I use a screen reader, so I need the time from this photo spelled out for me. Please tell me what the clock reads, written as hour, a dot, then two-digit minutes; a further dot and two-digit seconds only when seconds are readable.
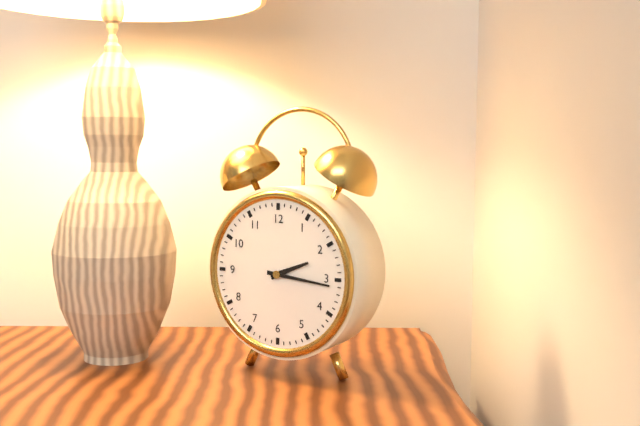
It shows 2.16
